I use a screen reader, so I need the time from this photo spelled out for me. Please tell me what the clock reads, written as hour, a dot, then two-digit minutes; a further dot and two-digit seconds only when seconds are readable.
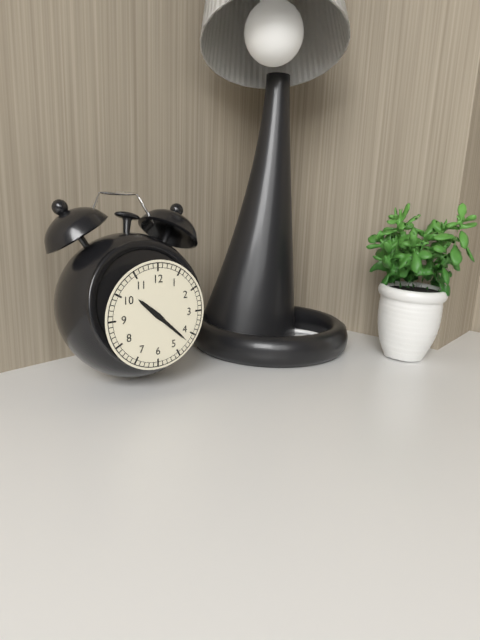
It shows 10.22
